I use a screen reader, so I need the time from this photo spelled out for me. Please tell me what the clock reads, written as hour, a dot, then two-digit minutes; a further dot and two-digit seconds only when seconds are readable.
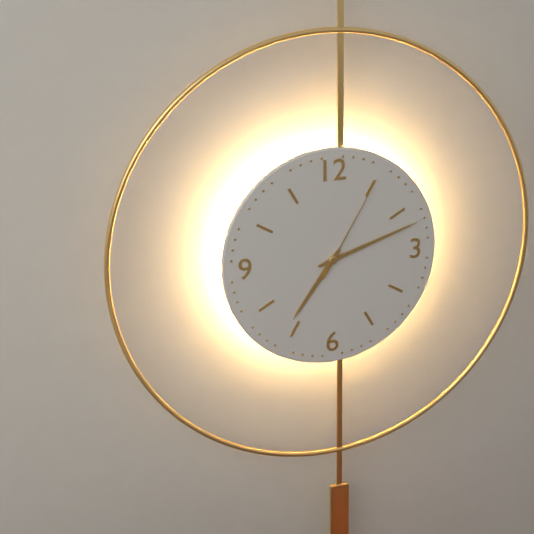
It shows 7.12.05
